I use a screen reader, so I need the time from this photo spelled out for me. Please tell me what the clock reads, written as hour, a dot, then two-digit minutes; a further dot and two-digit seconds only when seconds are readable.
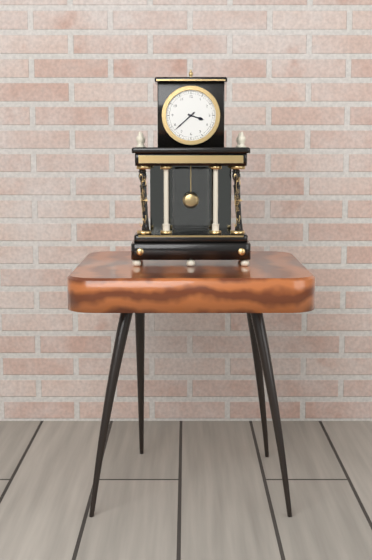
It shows 3.38
